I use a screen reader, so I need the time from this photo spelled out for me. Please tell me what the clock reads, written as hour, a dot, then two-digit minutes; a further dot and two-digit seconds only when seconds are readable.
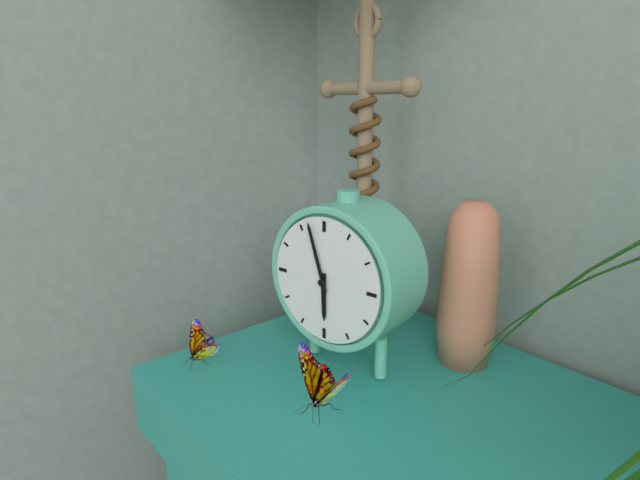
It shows 5.57
